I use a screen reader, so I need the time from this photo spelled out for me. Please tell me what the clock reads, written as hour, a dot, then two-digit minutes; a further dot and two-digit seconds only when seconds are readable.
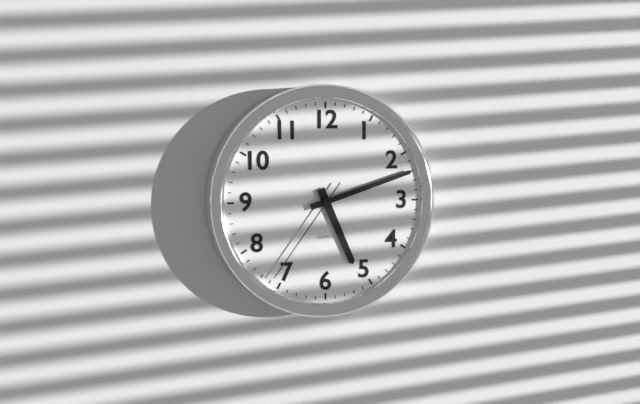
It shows 5.12.36
